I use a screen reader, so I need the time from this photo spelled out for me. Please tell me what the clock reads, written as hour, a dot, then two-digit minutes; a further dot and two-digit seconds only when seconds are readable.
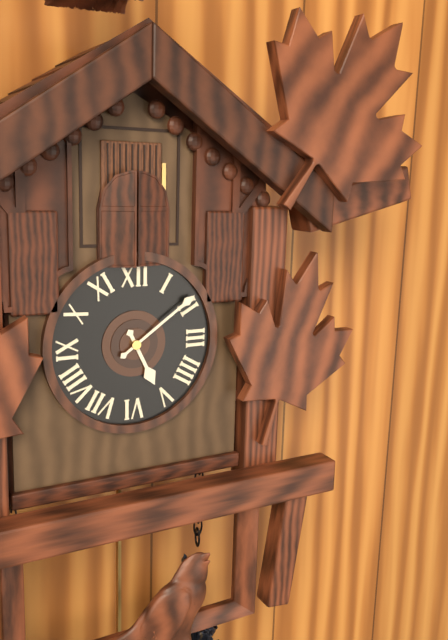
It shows 5.09
